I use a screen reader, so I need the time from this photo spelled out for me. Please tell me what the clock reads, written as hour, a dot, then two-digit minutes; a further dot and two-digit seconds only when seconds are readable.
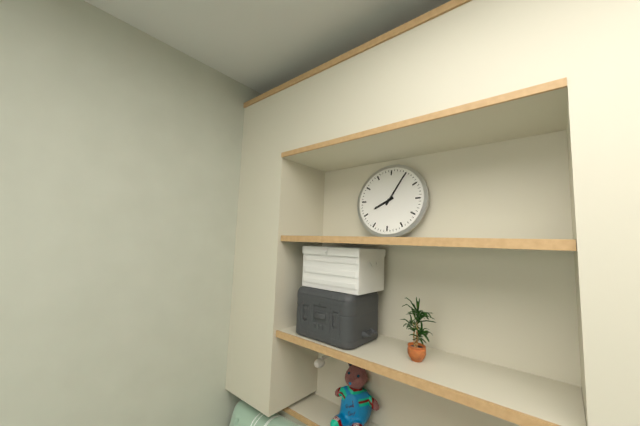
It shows 8.05
